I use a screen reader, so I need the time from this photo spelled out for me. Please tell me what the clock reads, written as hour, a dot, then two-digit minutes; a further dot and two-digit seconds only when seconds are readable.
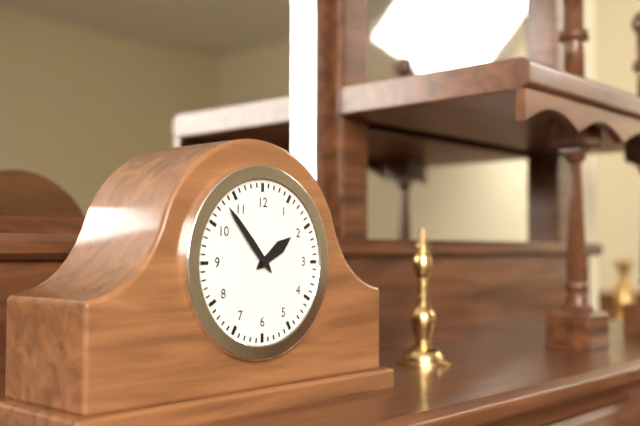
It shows 1.53
